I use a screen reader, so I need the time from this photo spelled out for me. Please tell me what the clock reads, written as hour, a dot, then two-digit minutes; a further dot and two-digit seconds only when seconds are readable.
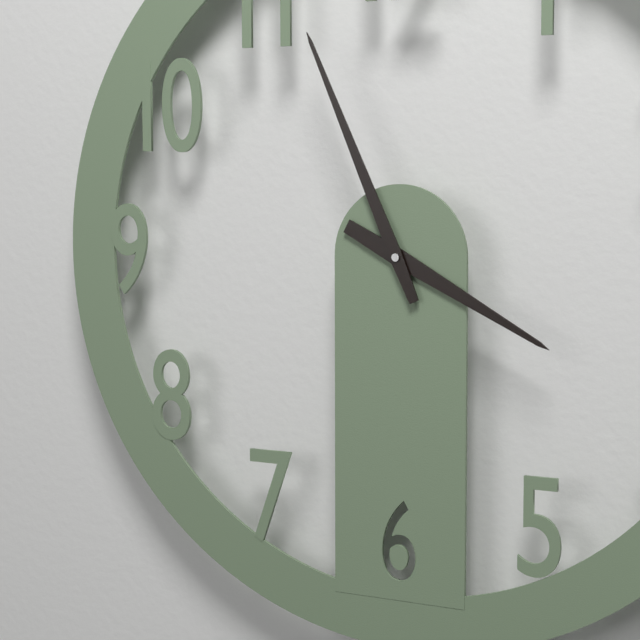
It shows 3.56
